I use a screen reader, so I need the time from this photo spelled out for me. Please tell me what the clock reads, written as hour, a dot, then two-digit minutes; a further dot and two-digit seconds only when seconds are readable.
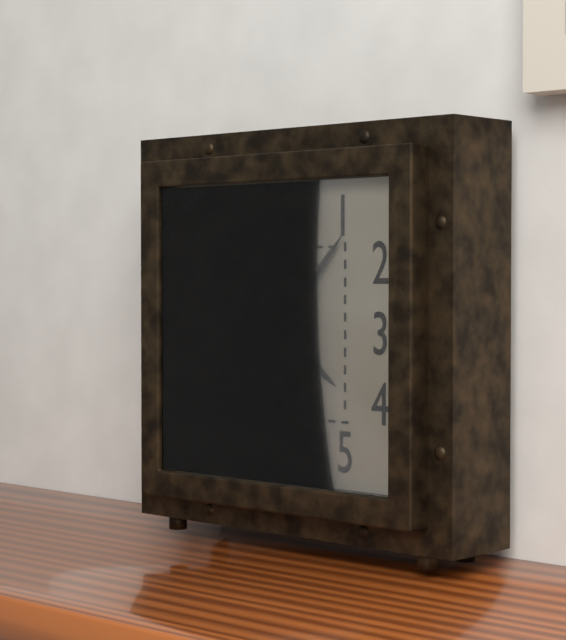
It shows 4.07
